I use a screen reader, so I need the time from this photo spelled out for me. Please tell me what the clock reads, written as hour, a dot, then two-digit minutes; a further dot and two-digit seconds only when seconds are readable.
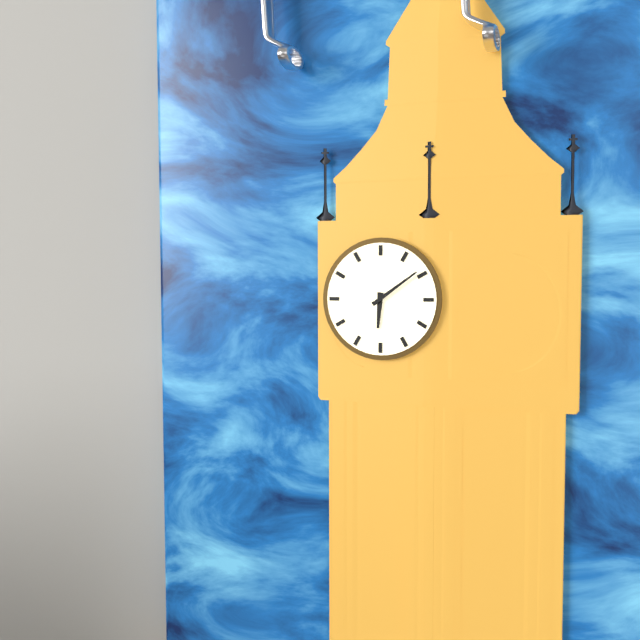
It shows 6.09
